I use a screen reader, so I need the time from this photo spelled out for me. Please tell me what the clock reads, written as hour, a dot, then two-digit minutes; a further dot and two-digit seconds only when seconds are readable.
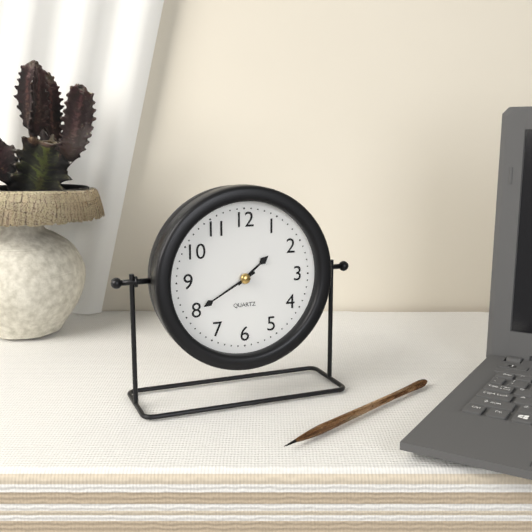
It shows 1.40
